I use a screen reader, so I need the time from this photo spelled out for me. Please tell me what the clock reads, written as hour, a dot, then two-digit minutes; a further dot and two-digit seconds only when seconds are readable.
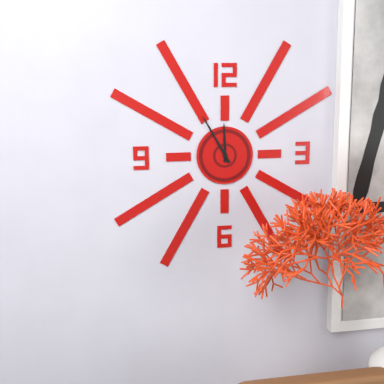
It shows 11.55
